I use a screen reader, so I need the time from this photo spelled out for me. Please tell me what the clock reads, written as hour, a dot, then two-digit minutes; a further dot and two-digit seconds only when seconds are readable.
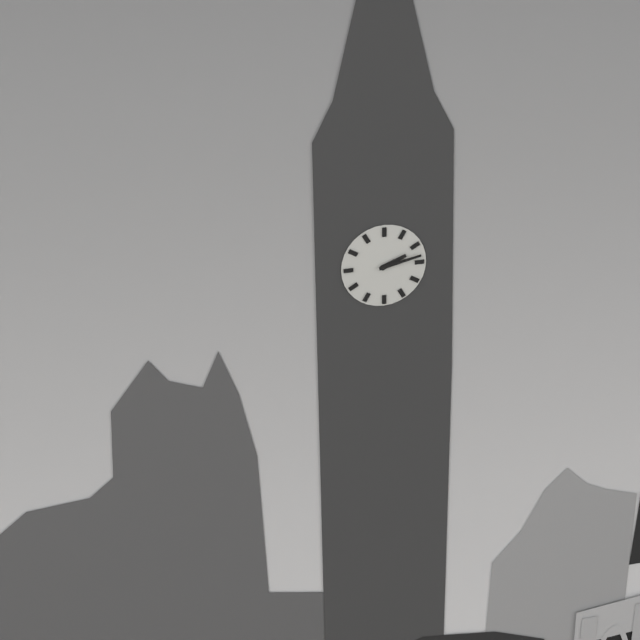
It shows 2.13
